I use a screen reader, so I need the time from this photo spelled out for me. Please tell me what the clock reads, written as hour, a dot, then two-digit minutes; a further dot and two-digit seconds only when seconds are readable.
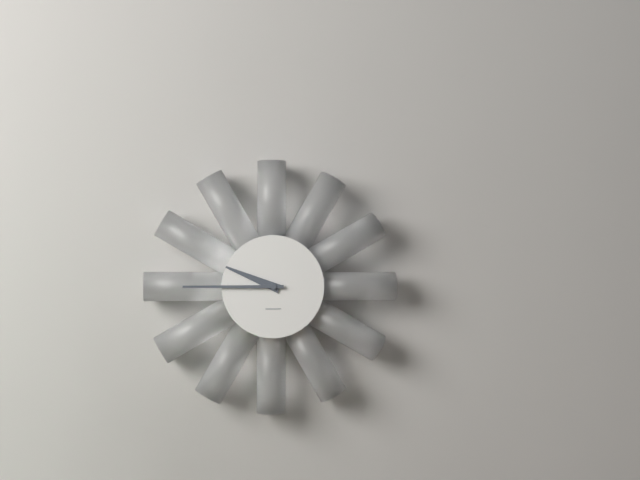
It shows 9.45
